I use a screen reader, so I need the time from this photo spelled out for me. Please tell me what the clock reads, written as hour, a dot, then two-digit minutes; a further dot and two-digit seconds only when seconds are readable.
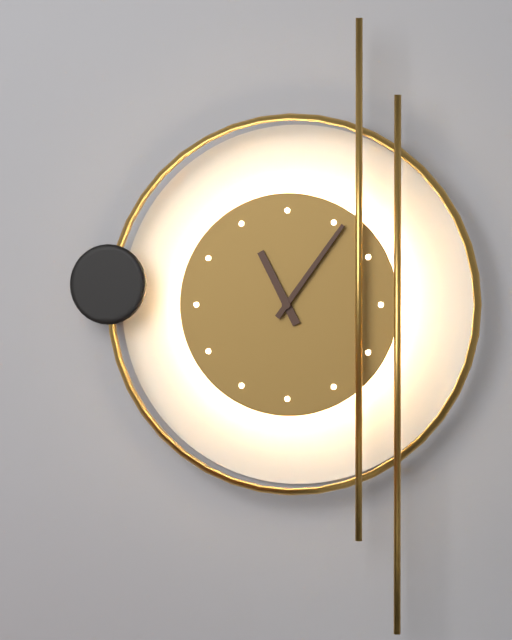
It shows 11.06
